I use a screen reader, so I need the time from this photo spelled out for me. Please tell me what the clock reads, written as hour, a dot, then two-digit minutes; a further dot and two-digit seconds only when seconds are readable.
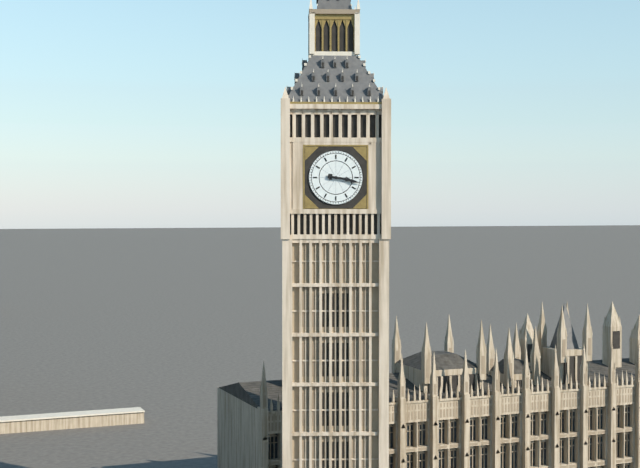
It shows 3.17
